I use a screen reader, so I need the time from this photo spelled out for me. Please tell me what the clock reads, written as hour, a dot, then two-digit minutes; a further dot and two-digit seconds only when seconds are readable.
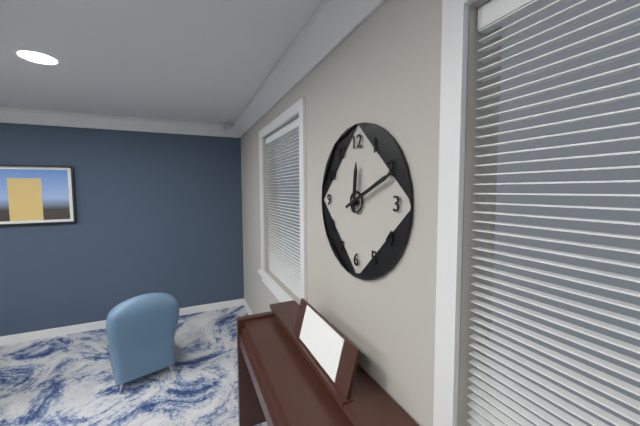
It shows 12.11
